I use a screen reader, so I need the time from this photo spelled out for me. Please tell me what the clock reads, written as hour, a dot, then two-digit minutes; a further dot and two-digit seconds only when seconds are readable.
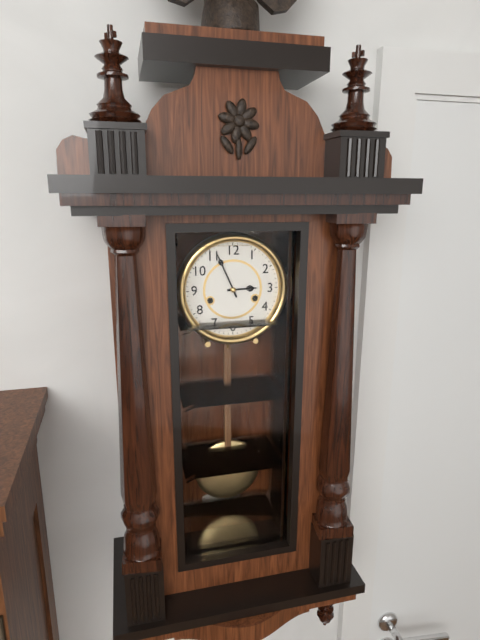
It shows 2.56
